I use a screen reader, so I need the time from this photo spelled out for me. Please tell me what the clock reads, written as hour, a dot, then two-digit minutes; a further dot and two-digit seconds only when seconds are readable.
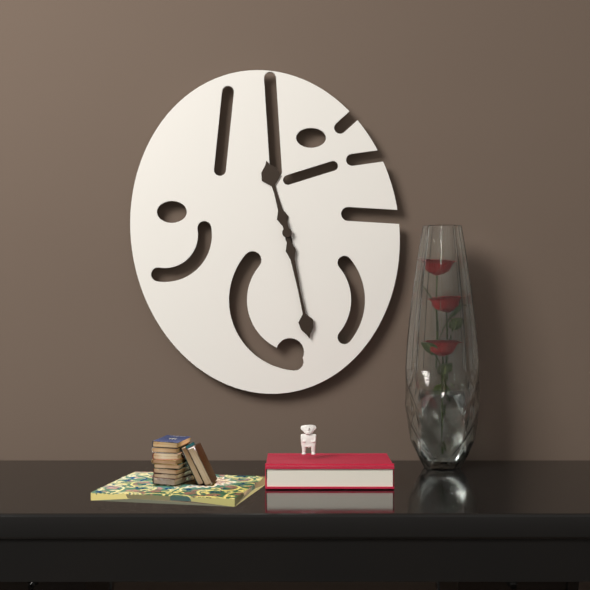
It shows 11.28
